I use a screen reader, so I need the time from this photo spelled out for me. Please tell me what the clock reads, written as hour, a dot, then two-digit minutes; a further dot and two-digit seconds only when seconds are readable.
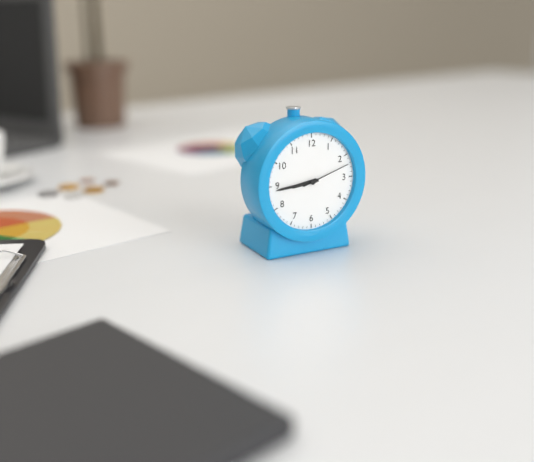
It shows 8.44.12
